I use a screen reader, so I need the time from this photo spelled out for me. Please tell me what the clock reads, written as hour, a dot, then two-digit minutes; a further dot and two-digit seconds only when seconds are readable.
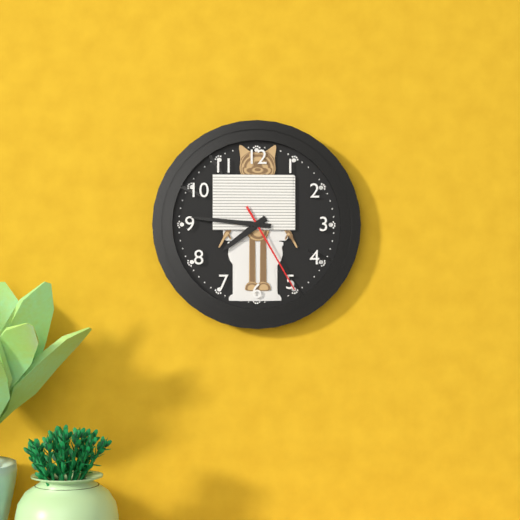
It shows 7.46.25
